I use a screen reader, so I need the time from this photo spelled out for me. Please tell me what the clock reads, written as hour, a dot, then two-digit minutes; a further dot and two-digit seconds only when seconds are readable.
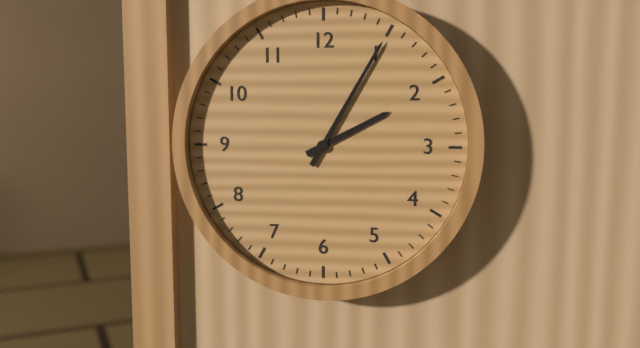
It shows 2.05
